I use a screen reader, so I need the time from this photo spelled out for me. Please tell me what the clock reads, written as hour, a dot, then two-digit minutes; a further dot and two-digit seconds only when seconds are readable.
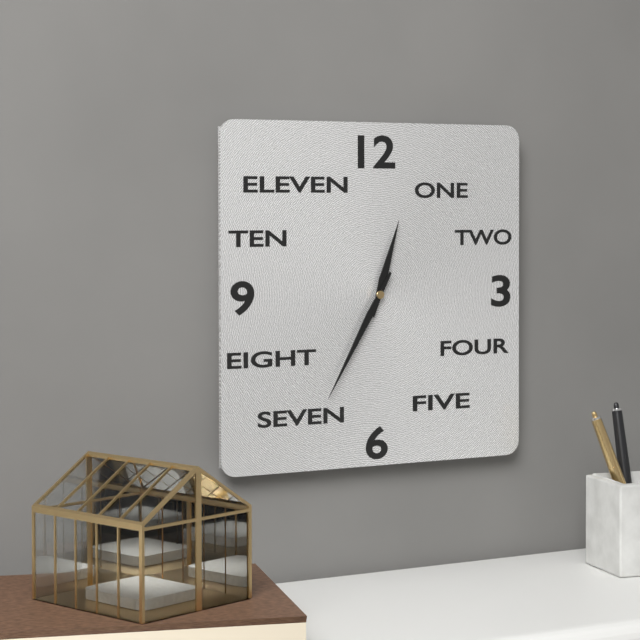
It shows 12.35
